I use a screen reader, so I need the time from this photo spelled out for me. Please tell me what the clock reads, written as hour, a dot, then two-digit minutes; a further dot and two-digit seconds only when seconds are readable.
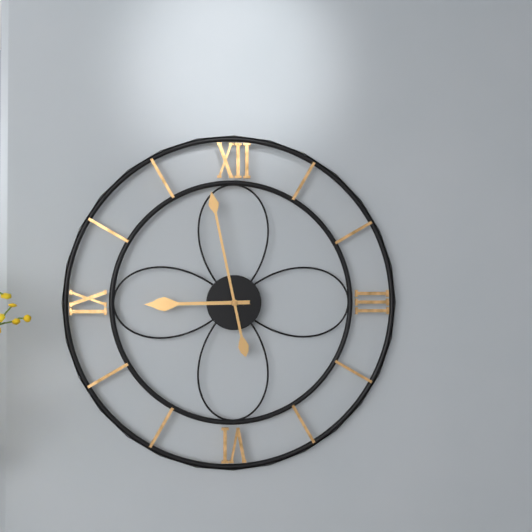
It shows 8.58
